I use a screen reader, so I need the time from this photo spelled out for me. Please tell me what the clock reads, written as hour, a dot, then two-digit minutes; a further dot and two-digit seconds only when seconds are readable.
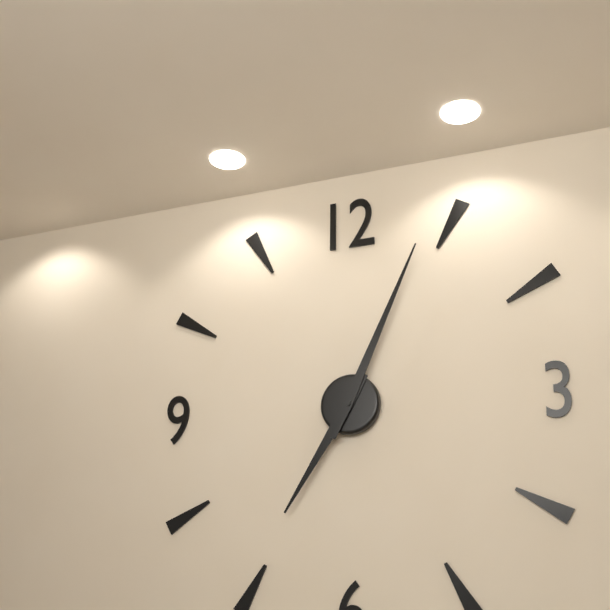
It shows 7.04
